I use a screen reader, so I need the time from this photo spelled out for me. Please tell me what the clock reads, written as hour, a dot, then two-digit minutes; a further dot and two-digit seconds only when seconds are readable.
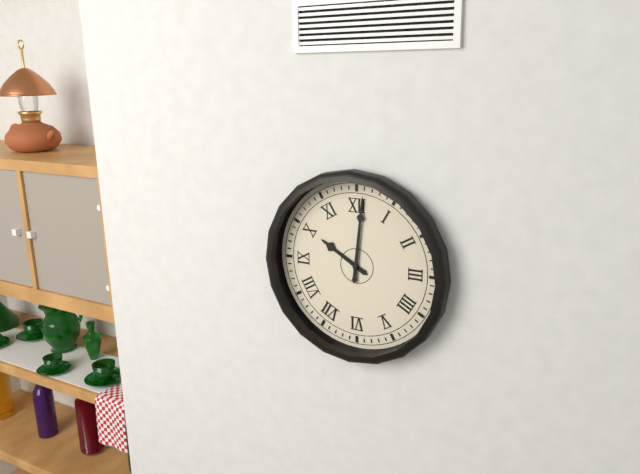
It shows 10.01
